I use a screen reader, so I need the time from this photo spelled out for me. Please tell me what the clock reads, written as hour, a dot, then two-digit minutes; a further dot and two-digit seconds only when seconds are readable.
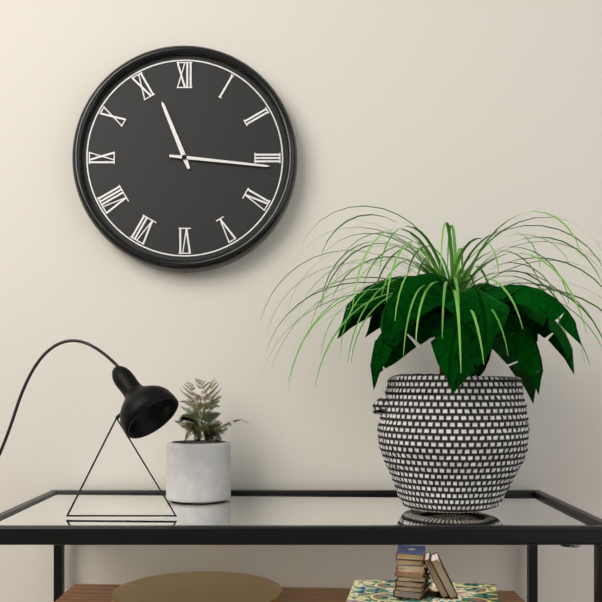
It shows 11.16
